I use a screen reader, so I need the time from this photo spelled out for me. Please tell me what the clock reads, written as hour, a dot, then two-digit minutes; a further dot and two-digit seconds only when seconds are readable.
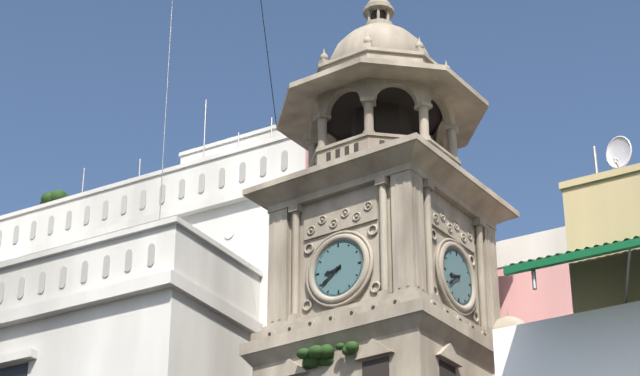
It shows 8.39
